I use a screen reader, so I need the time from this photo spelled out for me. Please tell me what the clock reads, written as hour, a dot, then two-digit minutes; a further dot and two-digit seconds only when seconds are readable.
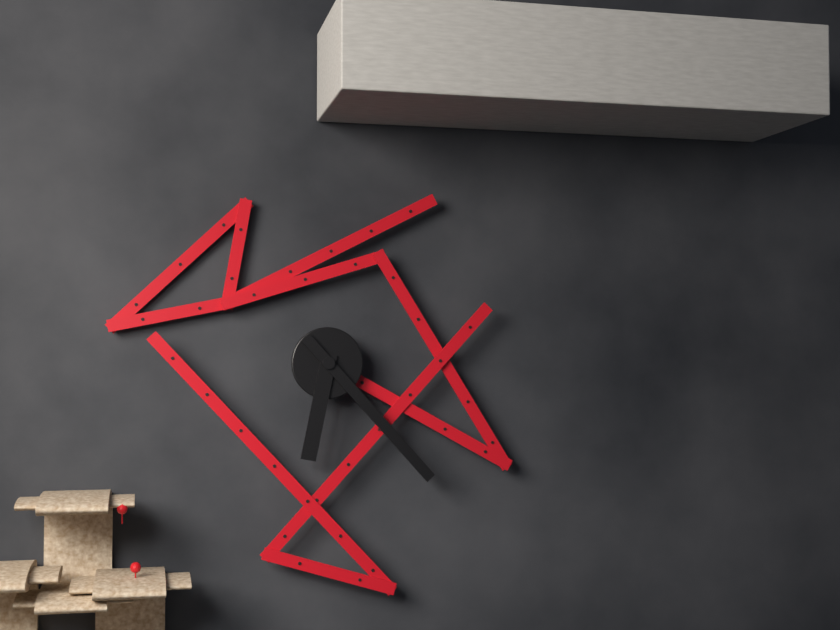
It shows 6.23
